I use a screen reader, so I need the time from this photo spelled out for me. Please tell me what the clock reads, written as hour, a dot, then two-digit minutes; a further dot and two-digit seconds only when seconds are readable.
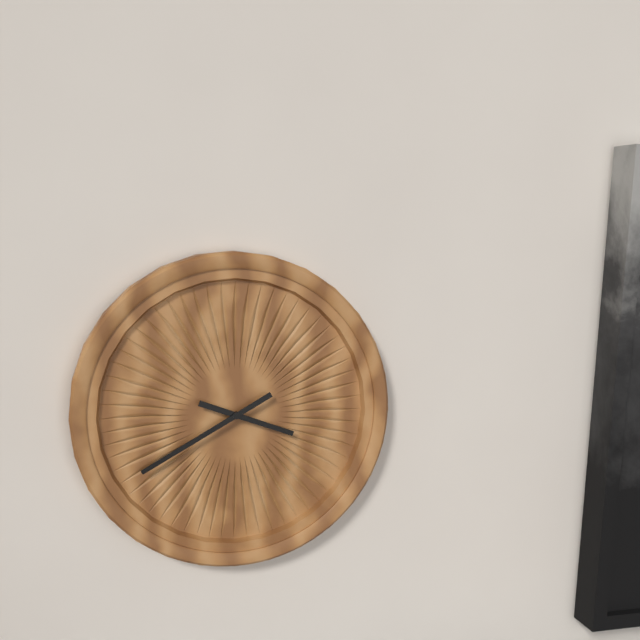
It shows 3.40
